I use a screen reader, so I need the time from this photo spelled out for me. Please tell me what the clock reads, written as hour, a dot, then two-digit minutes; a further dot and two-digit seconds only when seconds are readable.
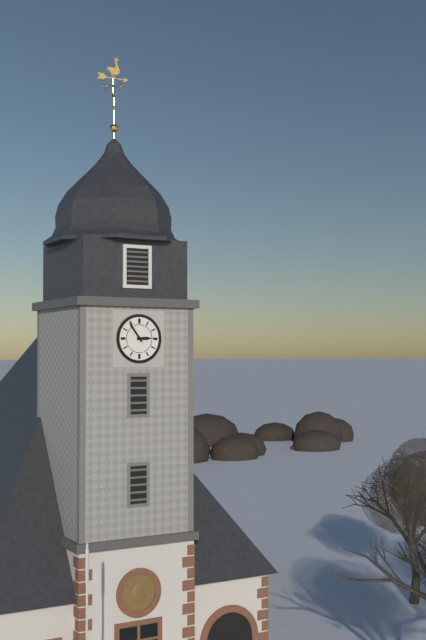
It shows 2.54
